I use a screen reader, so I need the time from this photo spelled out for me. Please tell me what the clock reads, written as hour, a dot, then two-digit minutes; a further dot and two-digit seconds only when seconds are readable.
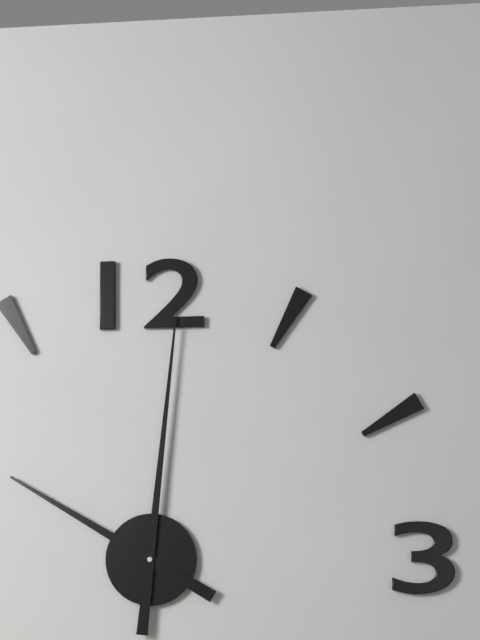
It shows 10.01
